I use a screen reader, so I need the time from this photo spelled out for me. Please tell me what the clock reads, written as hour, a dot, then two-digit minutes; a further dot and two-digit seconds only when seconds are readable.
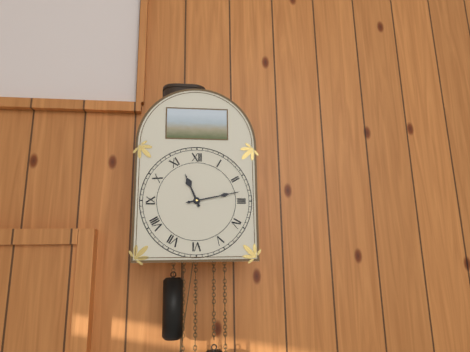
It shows 11.13
